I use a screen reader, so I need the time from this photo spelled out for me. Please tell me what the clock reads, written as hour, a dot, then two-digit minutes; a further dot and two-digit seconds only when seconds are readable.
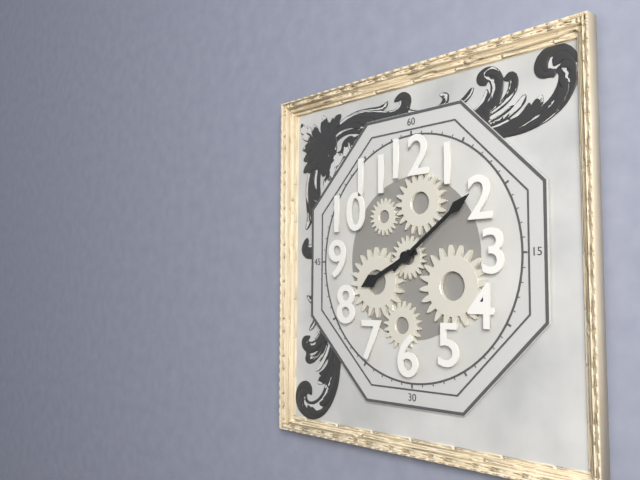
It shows 8.09
